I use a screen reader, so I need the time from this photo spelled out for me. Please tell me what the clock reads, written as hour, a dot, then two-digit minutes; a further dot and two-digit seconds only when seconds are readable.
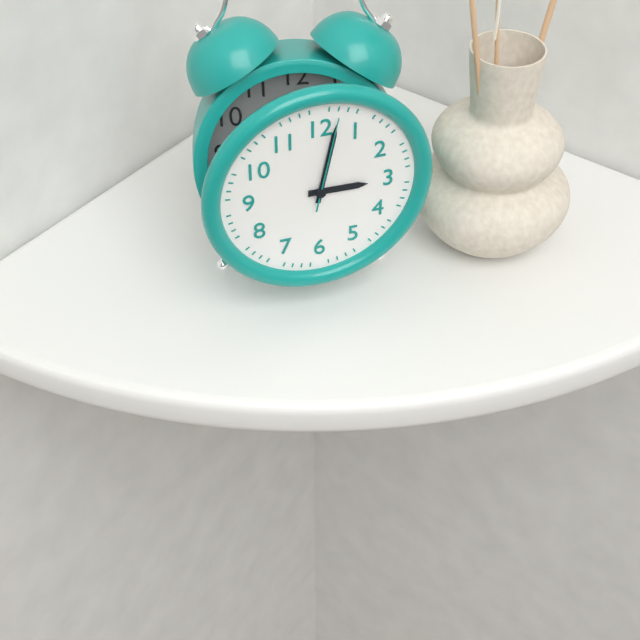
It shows 3.02.02
